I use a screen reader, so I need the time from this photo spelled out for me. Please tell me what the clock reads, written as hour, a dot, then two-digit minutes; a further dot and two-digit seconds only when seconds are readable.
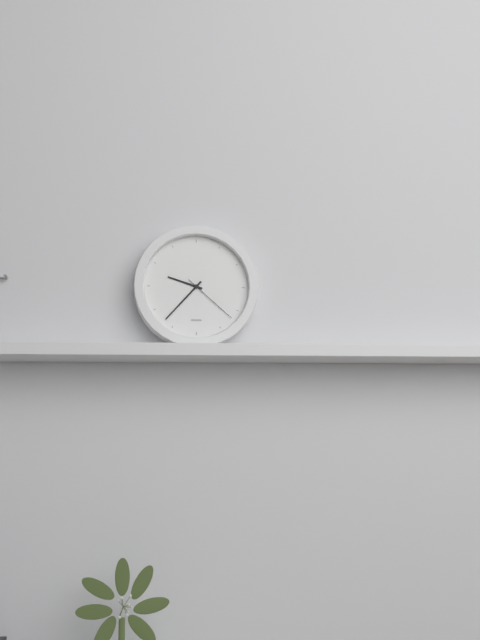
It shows 9.37.22
